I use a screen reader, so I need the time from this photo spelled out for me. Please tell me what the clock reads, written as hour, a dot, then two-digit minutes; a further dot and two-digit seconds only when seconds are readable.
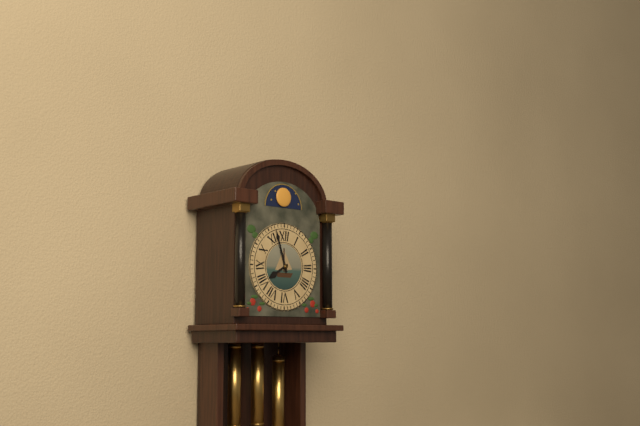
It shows 7.57
